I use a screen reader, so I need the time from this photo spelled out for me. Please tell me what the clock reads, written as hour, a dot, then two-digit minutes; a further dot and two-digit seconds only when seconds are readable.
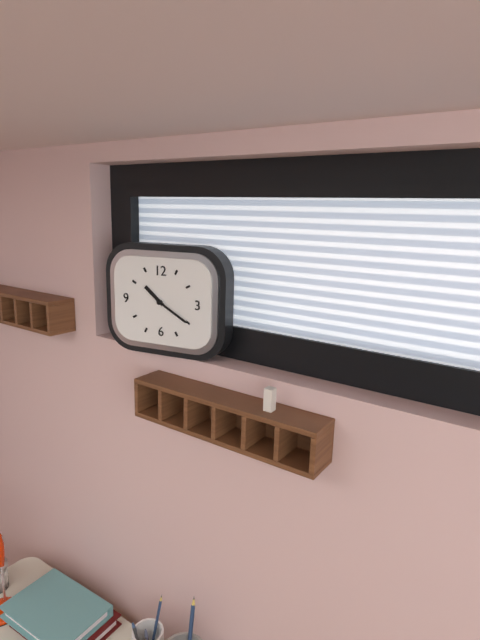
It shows 10.20
